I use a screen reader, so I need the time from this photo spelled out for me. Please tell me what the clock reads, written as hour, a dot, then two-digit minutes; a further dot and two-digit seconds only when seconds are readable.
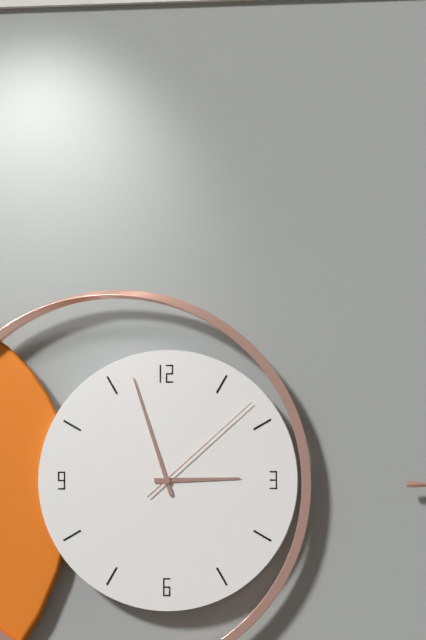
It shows 2.57.08
